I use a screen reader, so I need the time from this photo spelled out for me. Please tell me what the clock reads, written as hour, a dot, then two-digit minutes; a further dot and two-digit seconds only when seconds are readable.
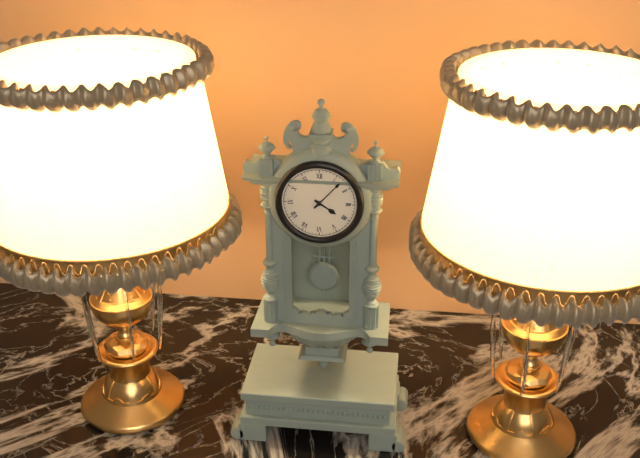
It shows 4.07
